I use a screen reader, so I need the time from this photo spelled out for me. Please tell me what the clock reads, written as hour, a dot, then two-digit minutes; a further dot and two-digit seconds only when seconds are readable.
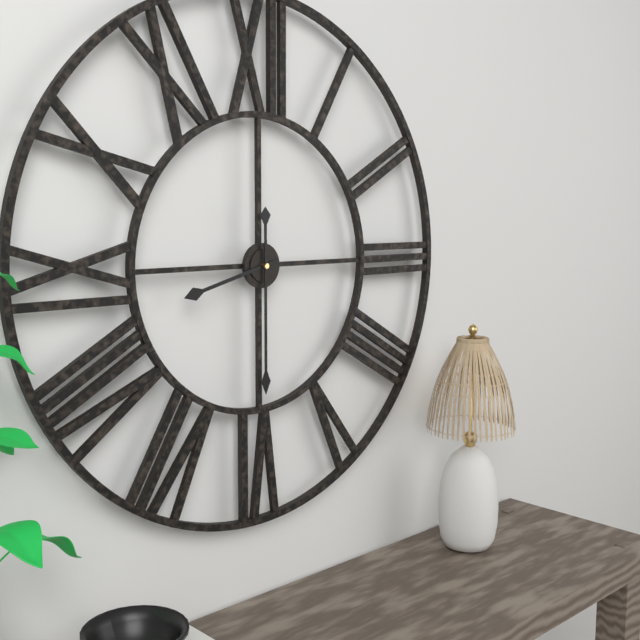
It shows 8.30
